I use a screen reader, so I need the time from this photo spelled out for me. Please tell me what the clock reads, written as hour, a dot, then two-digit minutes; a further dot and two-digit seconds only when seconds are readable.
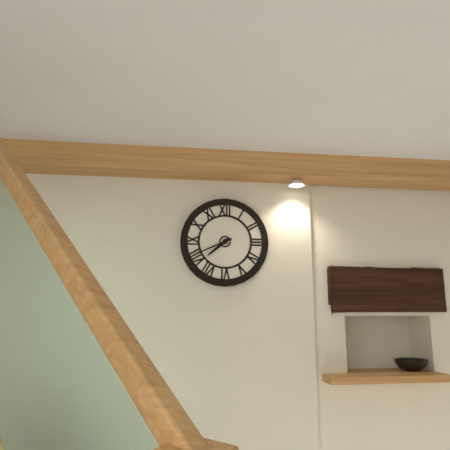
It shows 7.41
